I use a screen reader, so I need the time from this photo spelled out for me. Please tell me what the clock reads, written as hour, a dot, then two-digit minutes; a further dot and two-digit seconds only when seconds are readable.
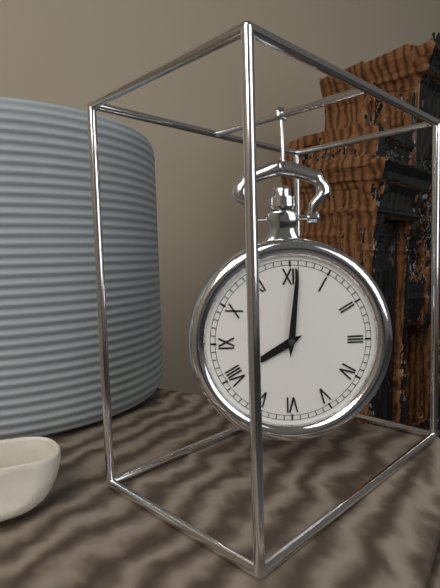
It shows 8.01
